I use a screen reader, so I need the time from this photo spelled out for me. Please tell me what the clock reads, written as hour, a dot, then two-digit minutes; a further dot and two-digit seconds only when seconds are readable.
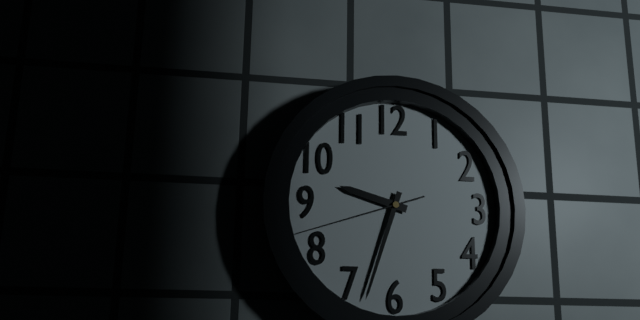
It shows 9.33.42
